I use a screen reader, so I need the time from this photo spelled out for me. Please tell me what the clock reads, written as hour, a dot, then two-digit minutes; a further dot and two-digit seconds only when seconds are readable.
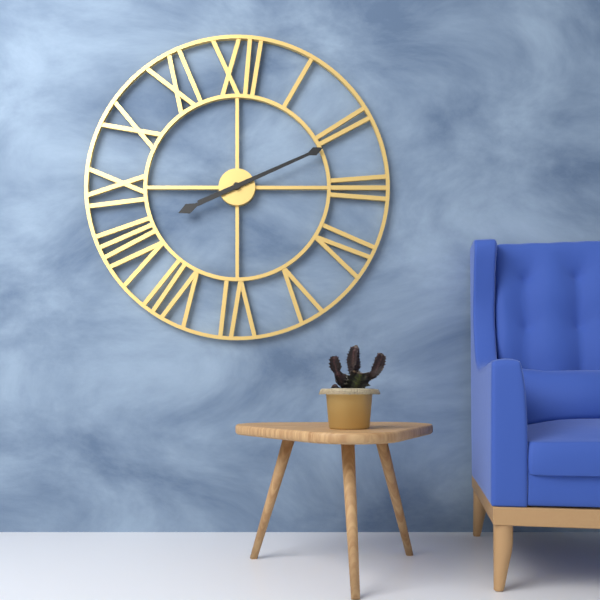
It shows 8.11
